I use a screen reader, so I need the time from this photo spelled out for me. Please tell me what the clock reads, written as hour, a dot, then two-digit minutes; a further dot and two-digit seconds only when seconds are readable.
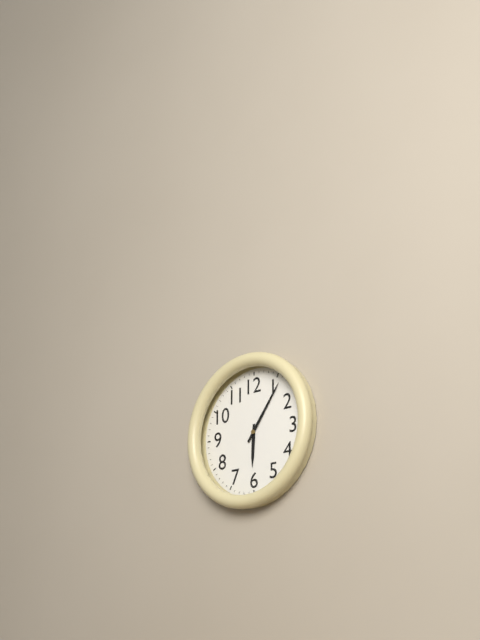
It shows 6.06
